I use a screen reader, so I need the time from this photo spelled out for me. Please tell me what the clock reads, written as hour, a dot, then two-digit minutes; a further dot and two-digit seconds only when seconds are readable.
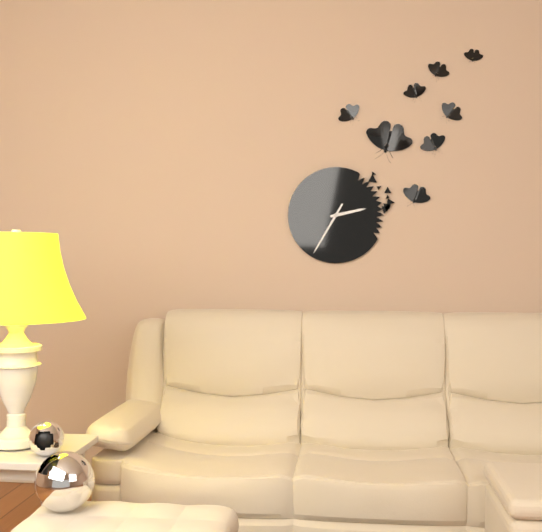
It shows 2.35
